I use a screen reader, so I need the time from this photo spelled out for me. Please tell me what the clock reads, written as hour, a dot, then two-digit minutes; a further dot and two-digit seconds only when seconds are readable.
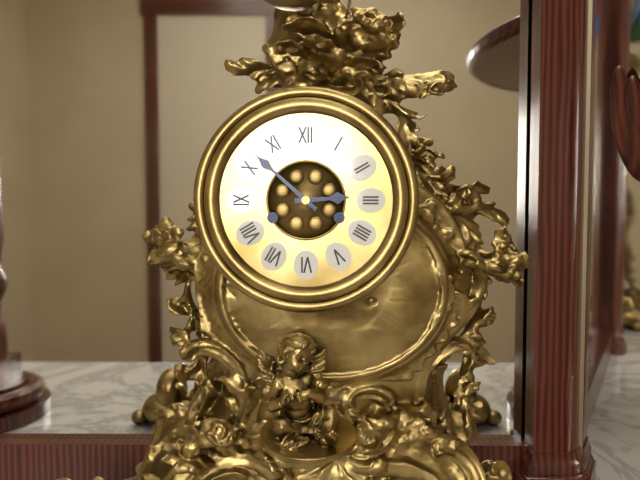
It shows 2.52
